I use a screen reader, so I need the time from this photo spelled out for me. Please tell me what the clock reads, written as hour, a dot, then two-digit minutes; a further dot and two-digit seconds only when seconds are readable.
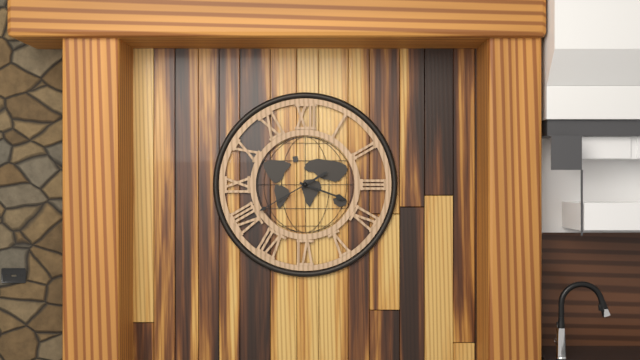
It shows 3.40
